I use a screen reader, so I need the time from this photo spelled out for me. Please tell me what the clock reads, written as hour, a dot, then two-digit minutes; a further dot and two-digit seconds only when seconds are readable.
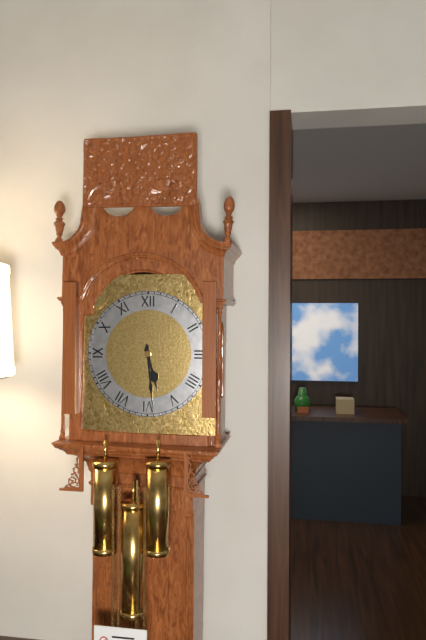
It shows 5.29
